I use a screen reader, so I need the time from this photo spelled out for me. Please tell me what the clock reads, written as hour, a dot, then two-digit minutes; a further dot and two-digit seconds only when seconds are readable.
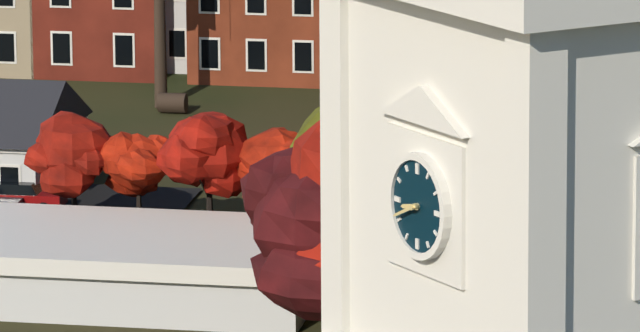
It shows 8.41
